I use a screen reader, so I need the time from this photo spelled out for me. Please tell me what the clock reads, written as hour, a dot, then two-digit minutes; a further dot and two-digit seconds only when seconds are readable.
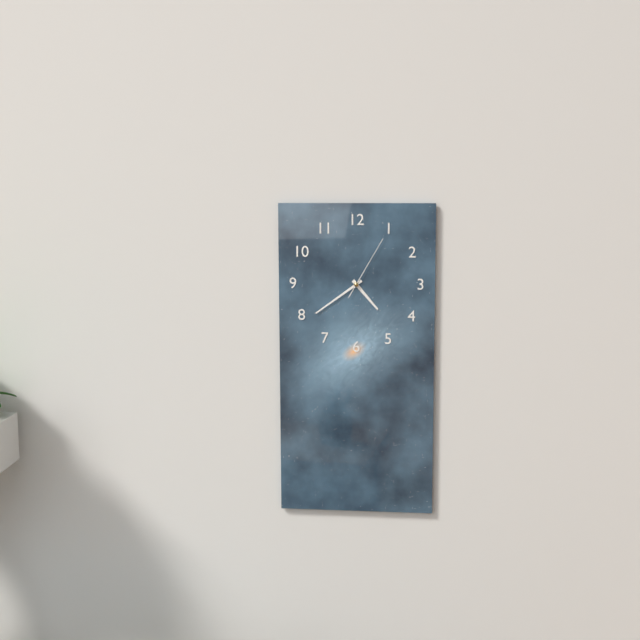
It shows 4.39.05
